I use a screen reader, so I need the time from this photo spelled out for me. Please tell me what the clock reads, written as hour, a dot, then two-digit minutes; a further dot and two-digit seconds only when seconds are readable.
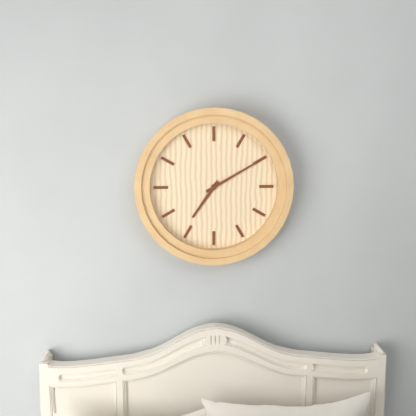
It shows 7.10
